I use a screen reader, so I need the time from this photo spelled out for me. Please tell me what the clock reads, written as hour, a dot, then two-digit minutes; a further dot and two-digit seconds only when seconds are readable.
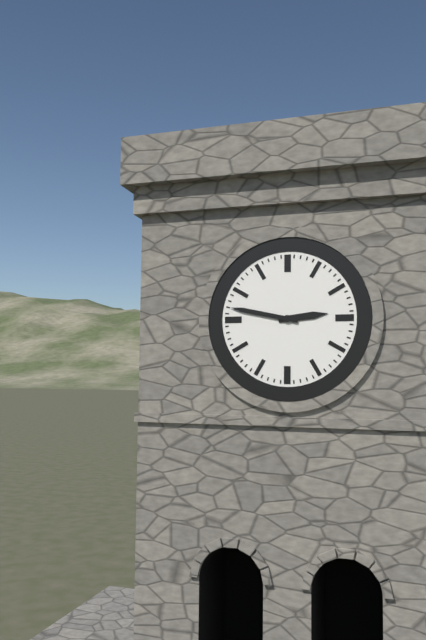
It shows 2.47
